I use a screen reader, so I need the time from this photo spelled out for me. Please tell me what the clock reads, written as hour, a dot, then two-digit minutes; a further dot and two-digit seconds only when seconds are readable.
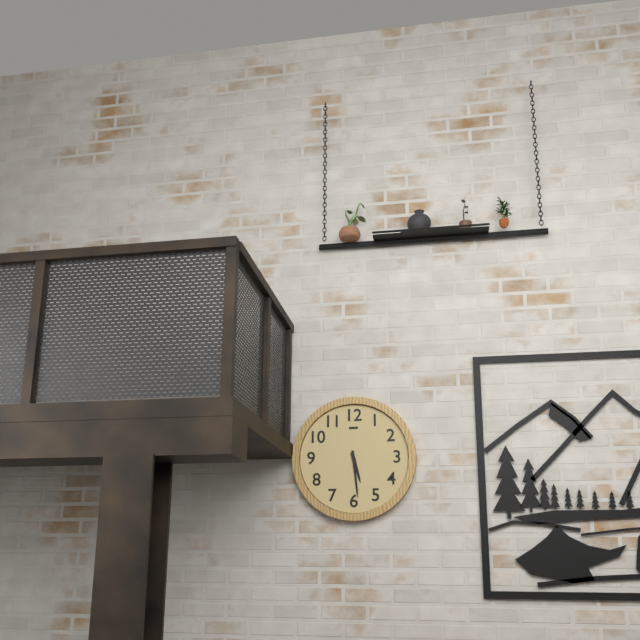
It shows 5.29
